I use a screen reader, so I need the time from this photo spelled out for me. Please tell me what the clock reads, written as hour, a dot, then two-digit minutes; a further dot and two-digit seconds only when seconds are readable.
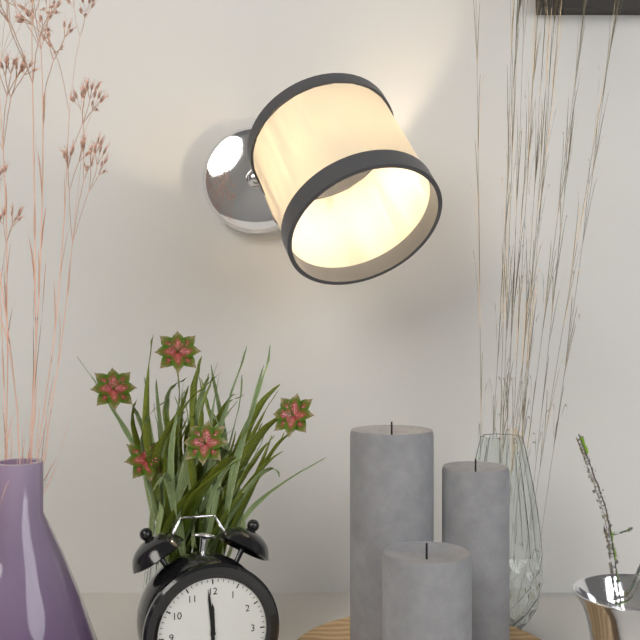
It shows 11.59
